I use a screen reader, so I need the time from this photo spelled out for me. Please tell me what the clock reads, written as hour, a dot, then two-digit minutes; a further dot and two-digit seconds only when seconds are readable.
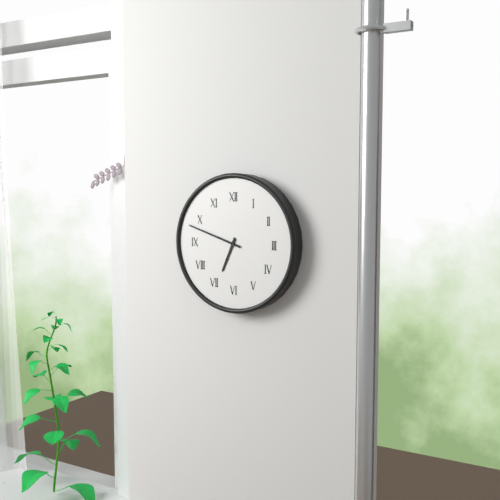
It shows 6.48
